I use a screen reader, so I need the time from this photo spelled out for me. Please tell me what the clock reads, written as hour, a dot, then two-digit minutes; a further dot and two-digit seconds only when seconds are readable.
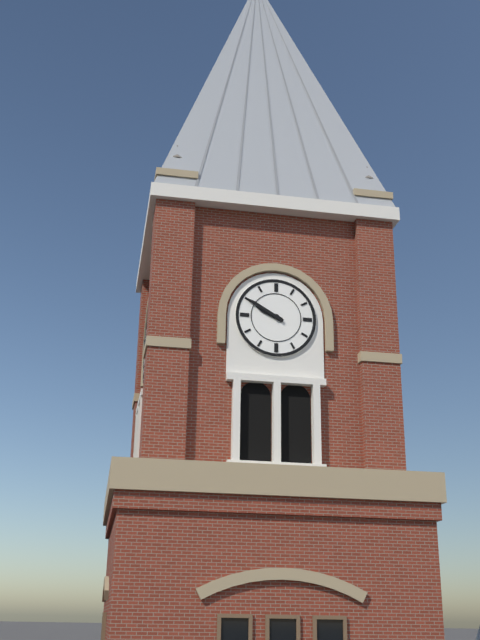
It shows 9.50
